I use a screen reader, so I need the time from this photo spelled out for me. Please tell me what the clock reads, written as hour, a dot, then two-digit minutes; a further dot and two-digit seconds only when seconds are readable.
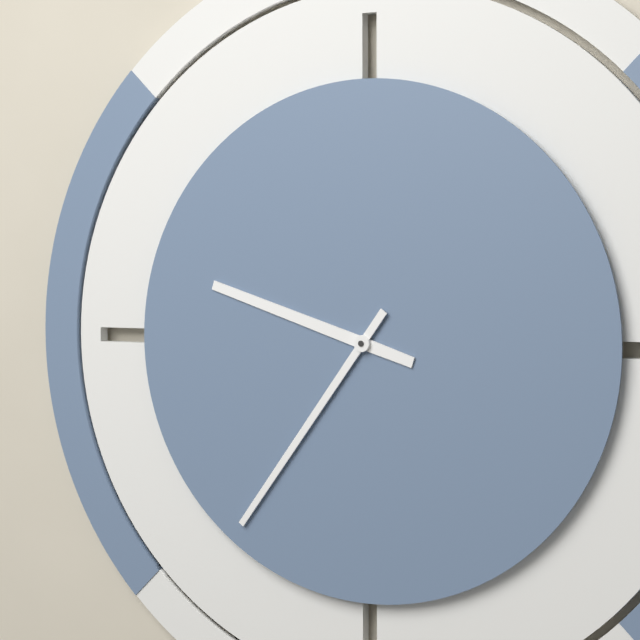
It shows 9.36
